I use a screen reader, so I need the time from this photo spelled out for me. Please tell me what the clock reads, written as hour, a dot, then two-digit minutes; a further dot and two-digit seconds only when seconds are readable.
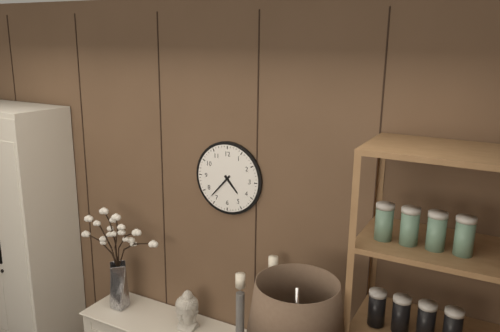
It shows 4.37
